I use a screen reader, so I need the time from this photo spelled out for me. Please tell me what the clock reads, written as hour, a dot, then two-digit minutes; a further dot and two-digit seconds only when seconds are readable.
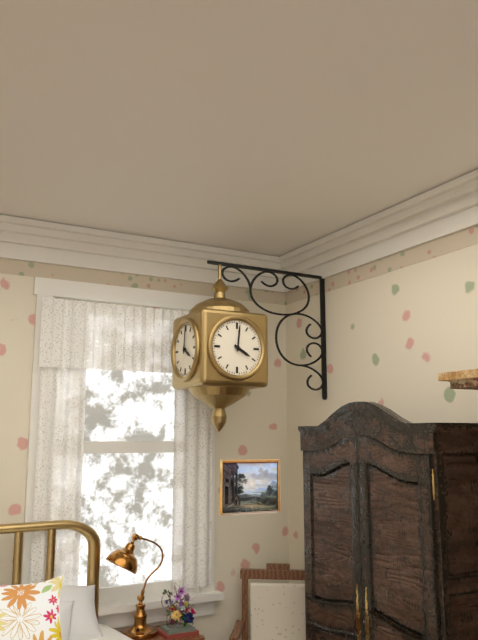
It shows 4.01
